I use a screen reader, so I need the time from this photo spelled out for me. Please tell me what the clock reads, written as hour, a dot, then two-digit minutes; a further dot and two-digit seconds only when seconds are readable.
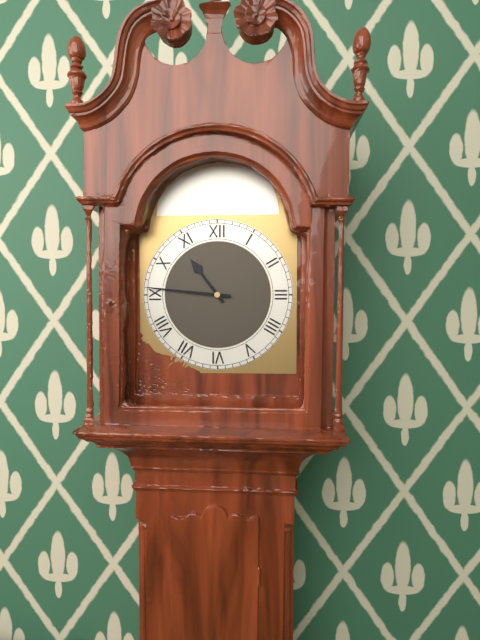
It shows 10.46
